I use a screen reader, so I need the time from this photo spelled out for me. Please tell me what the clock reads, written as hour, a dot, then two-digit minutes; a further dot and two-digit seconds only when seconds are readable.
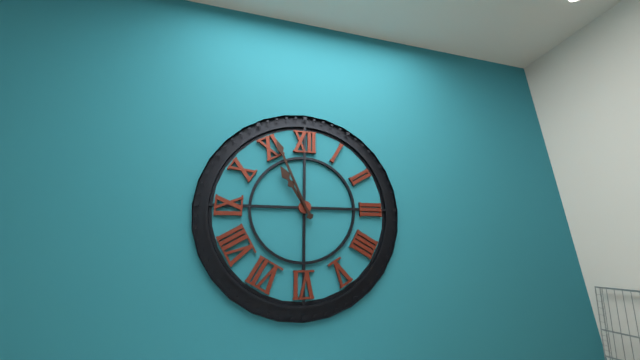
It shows 10.56
